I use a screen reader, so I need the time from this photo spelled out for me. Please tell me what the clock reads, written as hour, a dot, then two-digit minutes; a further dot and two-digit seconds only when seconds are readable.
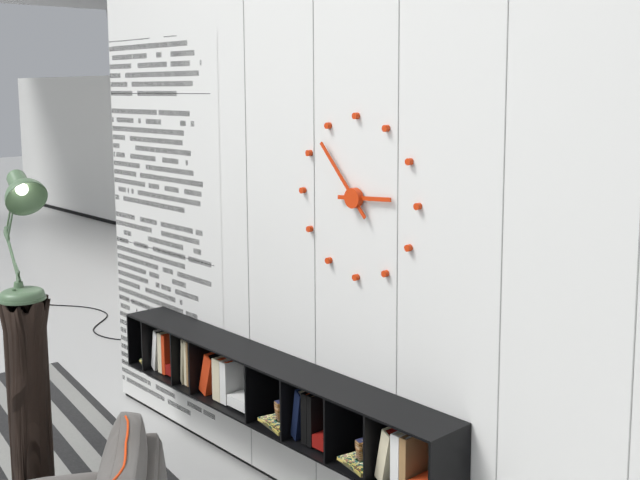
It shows 2.53
